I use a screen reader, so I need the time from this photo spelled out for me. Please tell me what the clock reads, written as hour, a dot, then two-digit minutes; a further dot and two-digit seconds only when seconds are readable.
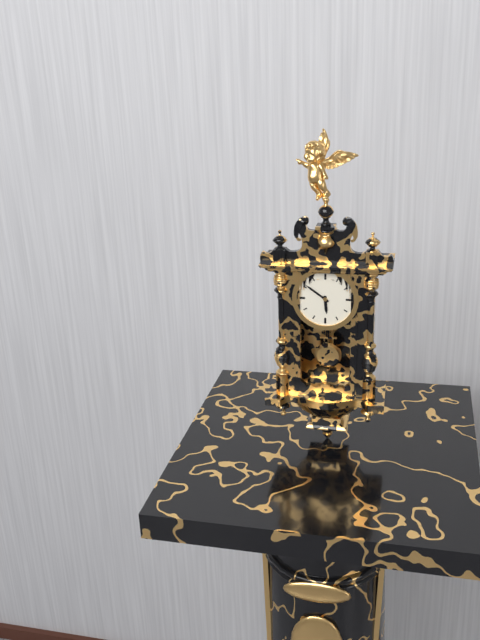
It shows 5.51
